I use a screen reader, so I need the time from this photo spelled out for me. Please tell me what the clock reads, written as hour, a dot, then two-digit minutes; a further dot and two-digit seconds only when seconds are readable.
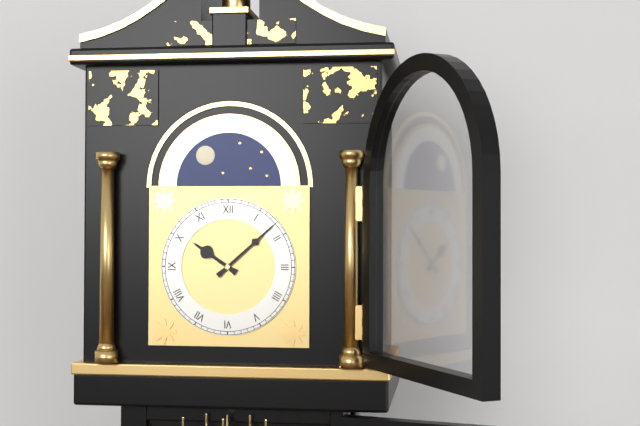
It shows 10.08
